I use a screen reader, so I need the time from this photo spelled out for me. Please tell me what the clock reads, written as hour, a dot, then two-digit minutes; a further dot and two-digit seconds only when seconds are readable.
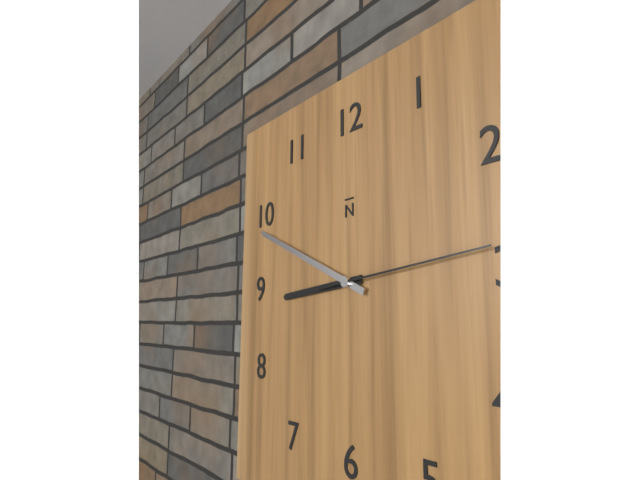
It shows 8.49.14
